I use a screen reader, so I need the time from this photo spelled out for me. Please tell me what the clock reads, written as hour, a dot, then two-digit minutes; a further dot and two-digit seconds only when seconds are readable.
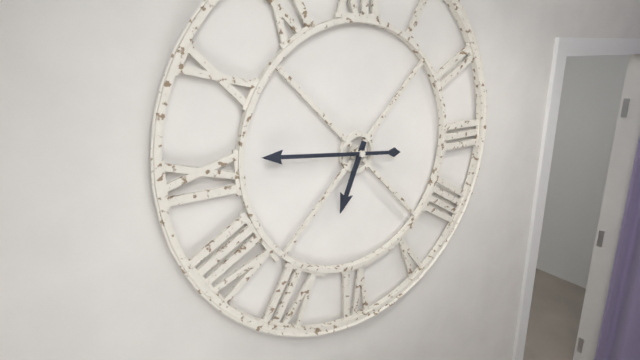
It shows 6.46
